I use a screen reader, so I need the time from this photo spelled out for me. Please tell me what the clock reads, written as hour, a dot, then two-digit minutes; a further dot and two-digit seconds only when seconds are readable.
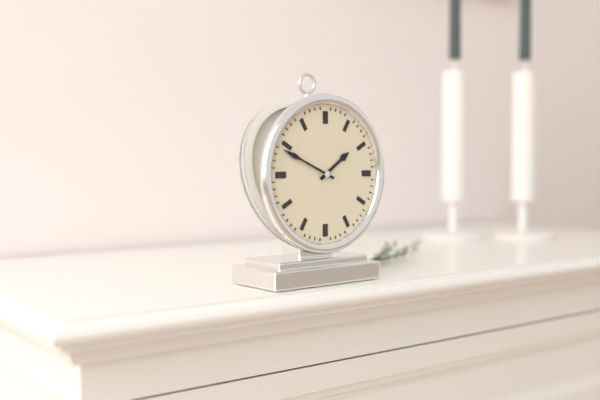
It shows 1.49
